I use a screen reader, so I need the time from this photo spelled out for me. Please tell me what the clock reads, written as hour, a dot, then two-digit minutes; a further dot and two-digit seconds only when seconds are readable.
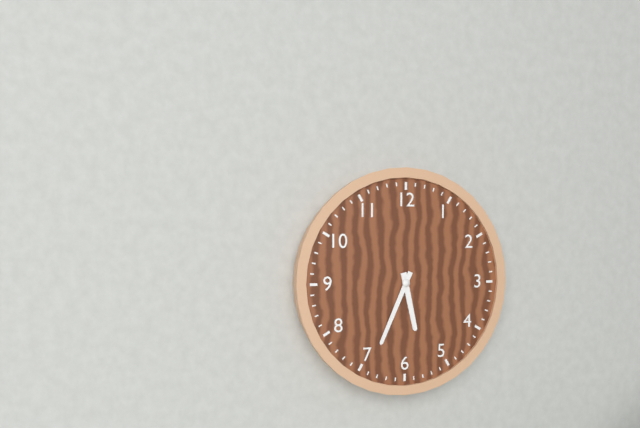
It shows 5.34
